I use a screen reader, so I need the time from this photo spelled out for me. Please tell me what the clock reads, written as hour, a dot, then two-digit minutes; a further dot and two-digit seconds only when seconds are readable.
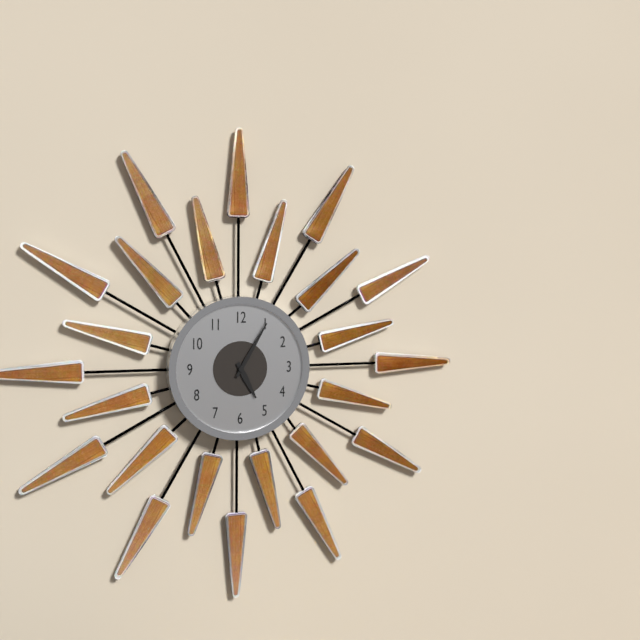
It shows 5.05
